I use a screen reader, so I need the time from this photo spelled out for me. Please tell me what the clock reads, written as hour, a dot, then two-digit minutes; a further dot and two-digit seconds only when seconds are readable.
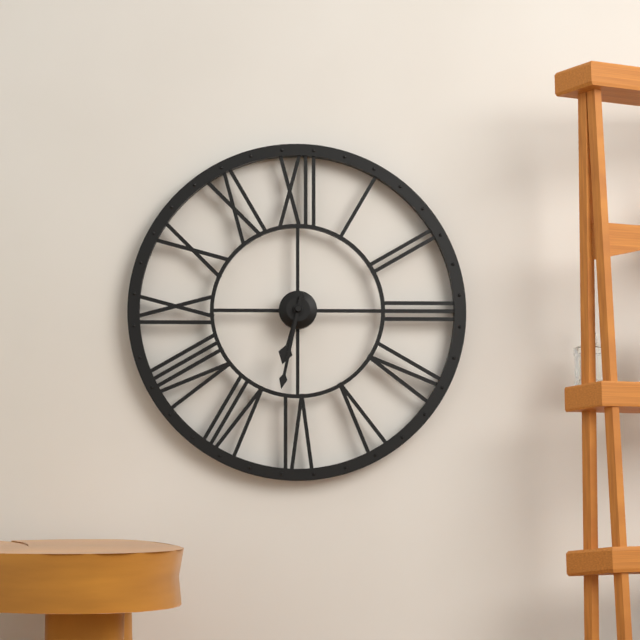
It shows 6.32
